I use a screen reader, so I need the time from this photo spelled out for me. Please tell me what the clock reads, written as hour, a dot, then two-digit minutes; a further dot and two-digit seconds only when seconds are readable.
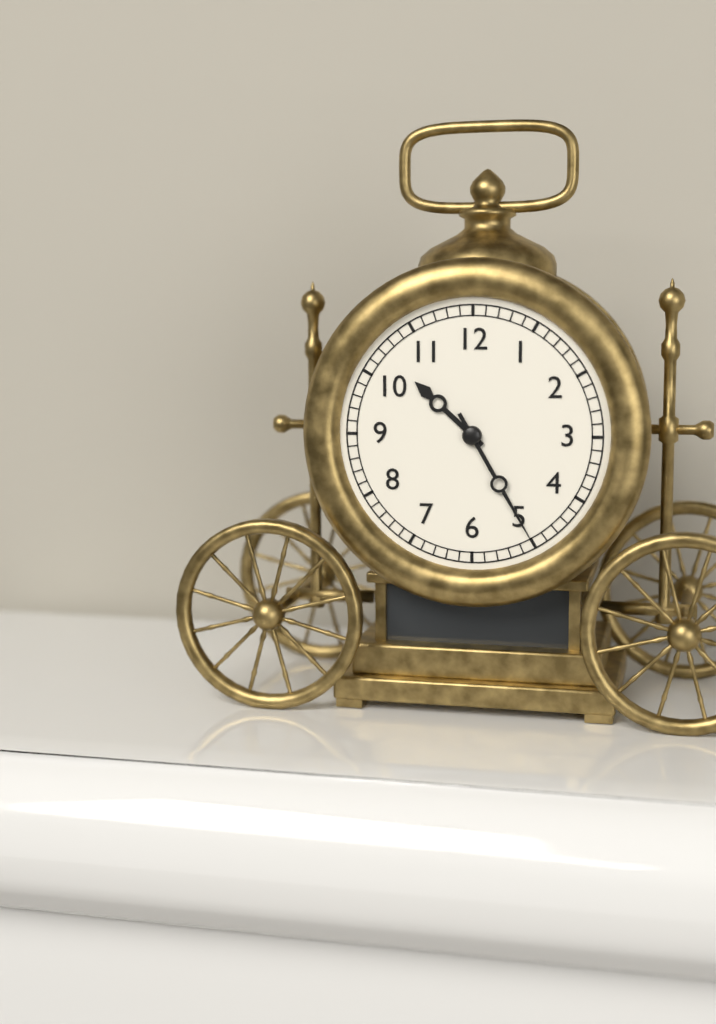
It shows 10.25
